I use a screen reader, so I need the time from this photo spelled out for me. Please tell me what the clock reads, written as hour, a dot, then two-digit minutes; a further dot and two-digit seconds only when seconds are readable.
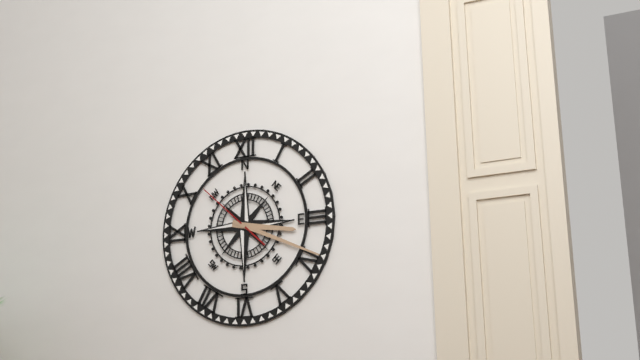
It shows 3.19.52
